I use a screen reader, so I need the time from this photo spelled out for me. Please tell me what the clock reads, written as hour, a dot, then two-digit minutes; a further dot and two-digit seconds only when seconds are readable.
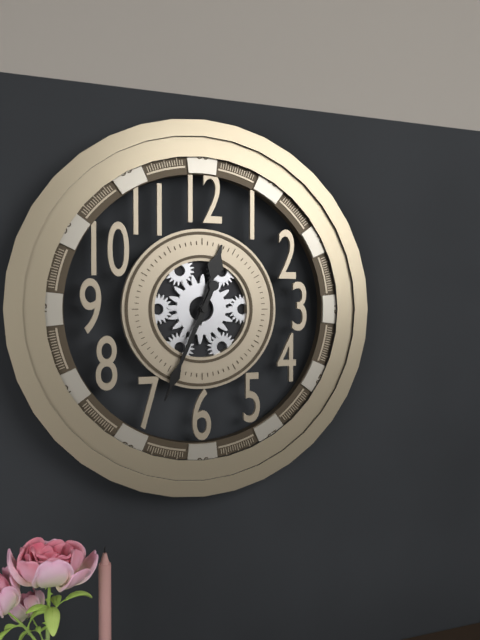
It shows 12.34
